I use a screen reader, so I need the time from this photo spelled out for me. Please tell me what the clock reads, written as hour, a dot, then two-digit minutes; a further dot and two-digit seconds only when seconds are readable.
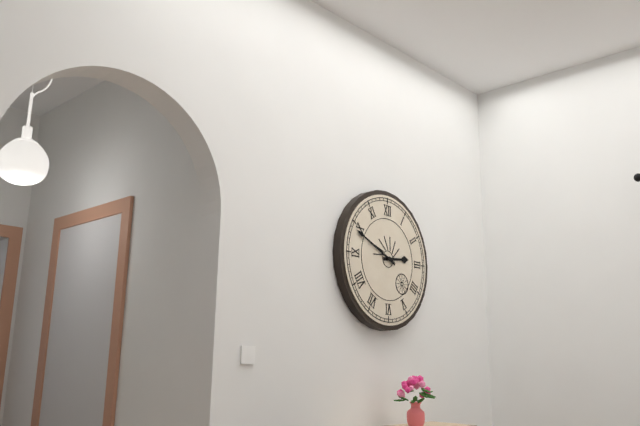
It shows 2.49
